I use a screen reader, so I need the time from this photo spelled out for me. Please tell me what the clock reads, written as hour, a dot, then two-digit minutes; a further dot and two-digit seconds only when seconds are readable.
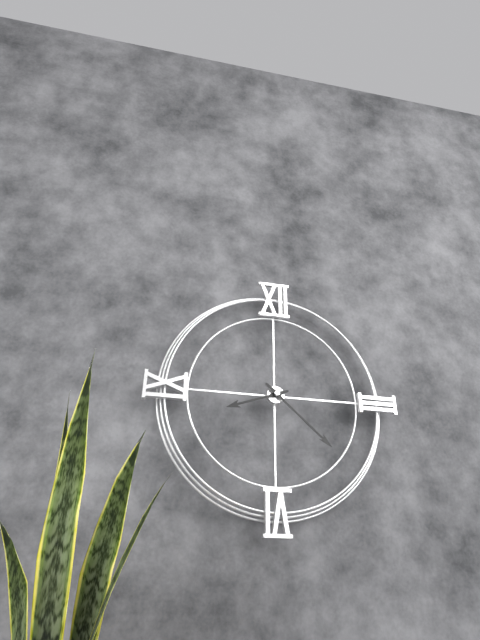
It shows 8.22
